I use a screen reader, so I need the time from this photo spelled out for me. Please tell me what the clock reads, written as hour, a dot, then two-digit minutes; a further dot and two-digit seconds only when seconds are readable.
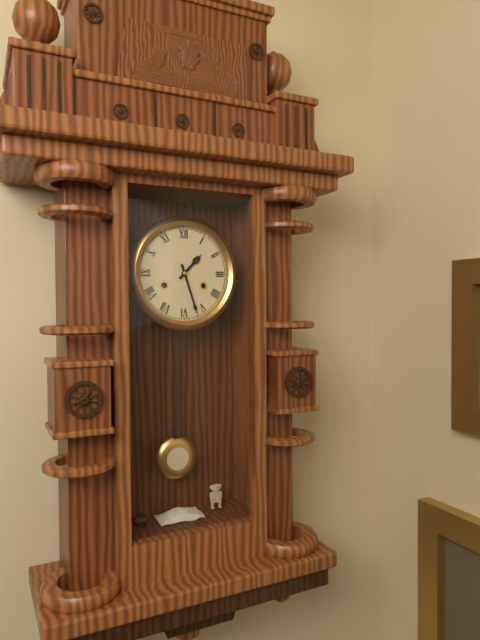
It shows 1.27
